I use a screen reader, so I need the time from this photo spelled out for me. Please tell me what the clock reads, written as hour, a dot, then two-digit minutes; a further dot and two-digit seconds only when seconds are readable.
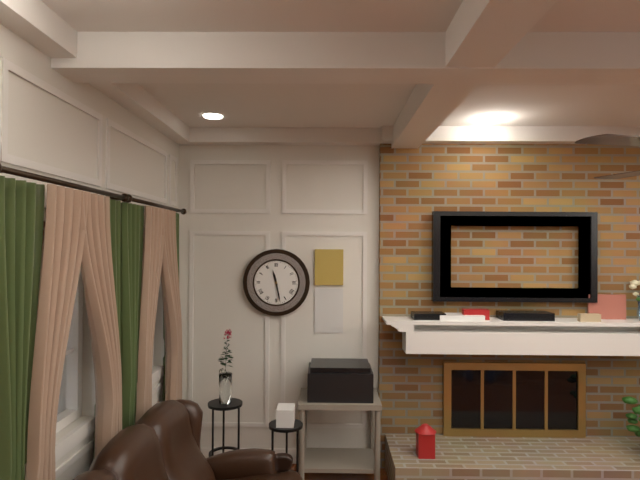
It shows 11.28
